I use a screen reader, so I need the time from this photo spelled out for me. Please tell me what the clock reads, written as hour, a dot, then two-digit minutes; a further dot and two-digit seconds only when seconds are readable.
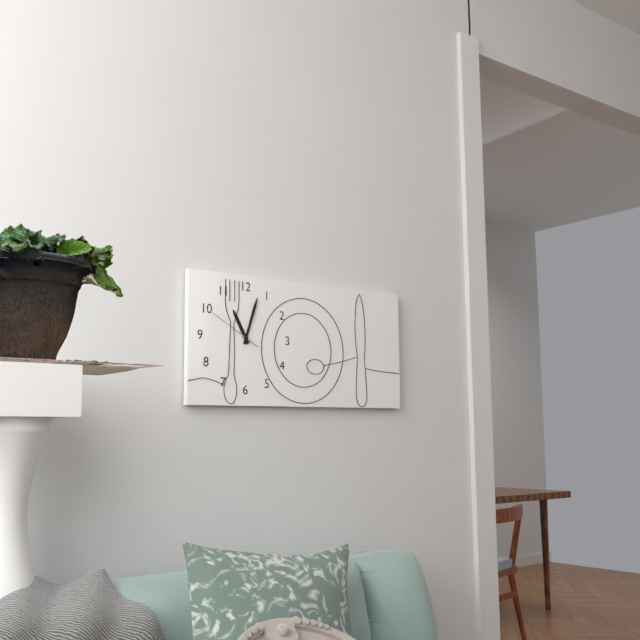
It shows 11.03.50
